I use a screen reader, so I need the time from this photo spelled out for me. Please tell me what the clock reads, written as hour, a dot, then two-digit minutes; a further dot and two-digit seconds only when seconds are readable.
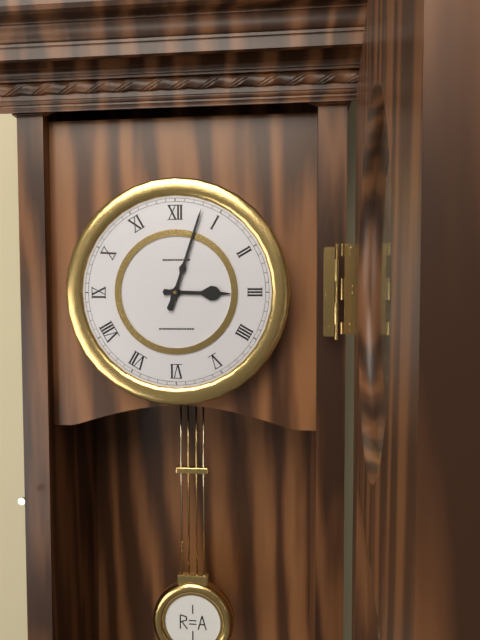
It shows 3.03
